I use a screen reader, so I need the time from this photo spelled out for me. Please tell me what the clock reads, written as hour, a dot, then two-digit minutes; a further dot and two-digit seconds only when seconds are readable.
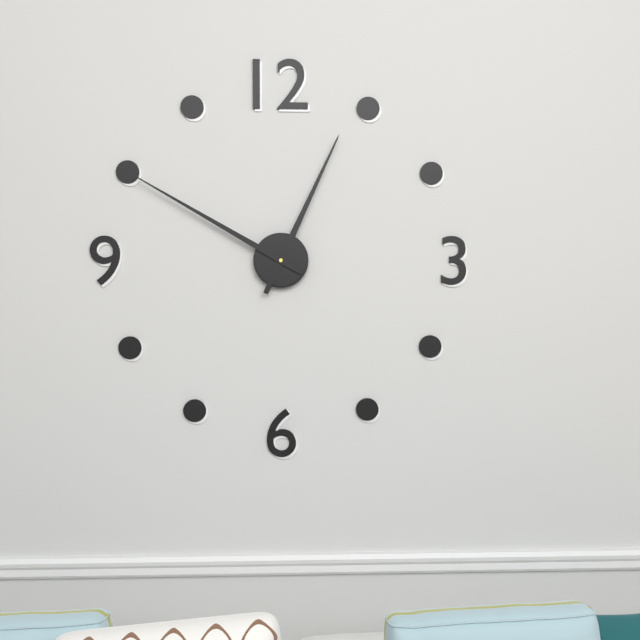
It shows 12.50
